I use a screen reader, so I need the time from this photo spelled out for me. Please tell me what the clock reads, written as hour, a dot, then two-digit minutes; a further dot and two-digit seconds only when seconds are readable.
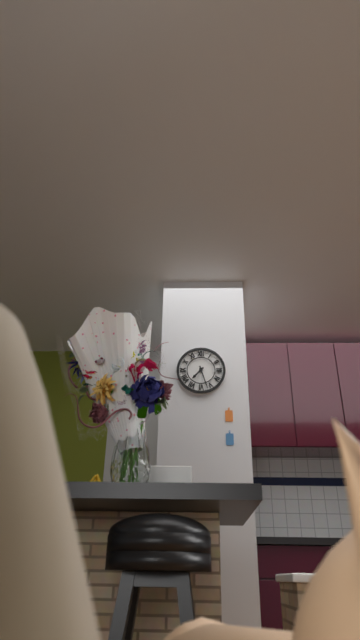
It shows 7.27
